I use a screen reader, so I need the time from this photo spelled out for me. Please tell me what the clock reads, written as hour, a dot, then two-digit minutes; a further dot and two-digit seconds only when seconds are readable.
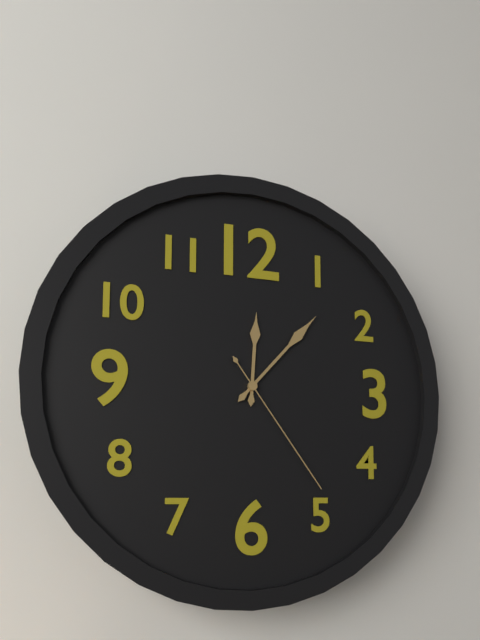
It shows 12.07.24
